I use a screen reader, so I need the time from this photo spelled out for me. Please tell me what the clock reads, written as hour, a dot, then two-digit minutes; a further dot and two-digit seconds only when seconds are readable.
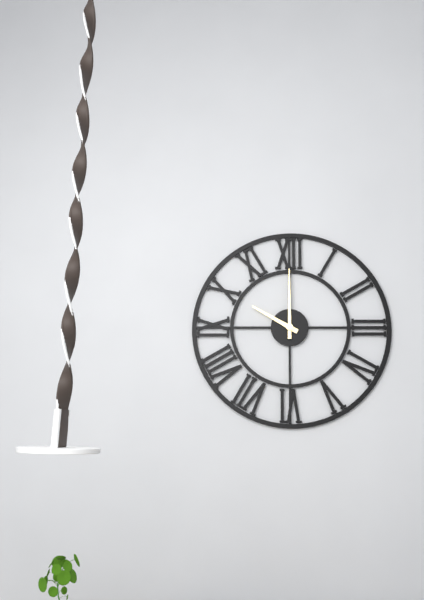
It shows 10.00
